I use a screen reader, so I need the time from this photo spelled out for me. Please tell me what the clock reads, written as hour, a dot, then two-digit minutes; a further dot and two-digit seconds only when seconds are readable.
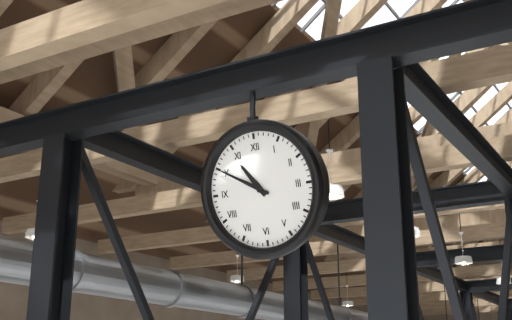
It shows 10.50
